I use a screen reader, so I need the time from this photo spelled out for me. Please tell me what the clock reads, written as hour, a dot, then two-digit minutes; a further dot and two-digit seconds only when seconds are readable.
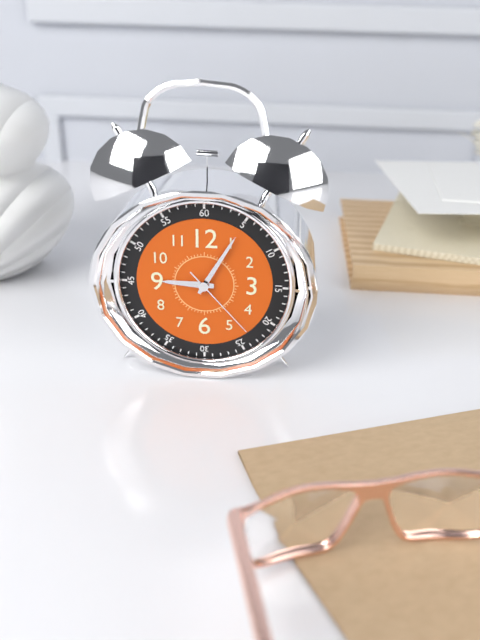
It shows 9.05.23
